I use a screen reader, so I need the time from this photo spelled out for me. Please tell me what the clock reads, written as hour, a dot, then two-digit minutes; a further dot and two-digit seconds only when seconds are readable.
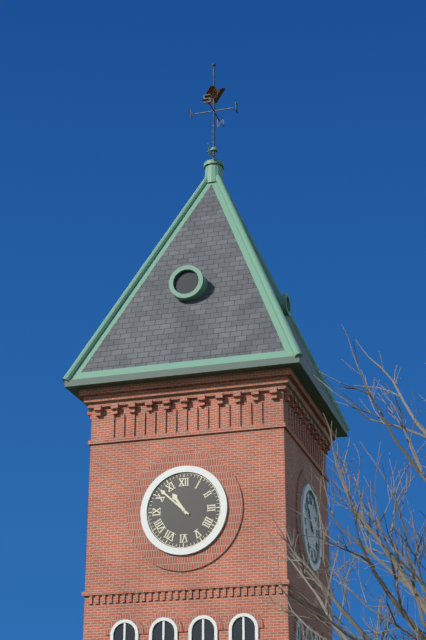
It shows 10.52
